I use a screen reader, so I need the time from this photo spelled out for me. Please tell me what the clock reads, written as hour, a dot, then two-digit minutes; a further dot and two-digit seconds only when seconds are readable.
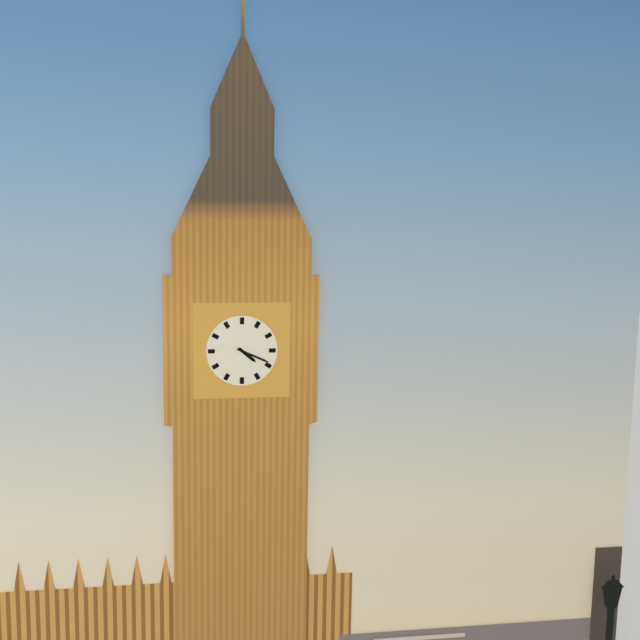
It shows 4.19
